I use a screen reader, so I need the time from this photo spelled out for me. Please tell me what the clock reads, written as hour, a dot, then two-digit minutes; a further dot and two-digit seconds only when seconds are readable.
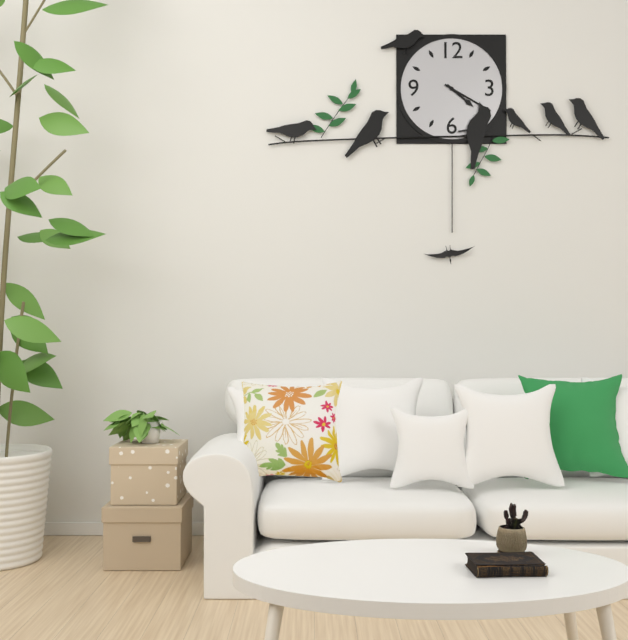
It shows 4.20
